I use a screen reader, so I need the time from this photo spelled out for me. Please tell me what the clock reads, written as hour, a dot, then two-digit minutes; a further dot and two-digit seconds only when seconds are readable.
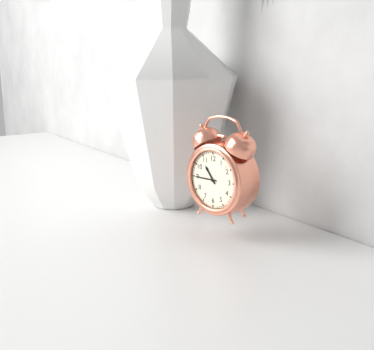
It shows 10.45
